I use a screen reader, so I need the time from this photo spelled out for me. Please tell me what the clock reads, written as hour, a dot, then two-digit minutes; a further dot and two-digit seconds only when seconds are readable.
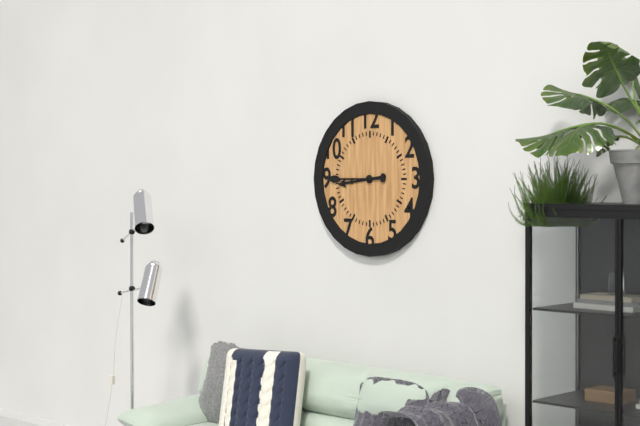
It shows 8.45
